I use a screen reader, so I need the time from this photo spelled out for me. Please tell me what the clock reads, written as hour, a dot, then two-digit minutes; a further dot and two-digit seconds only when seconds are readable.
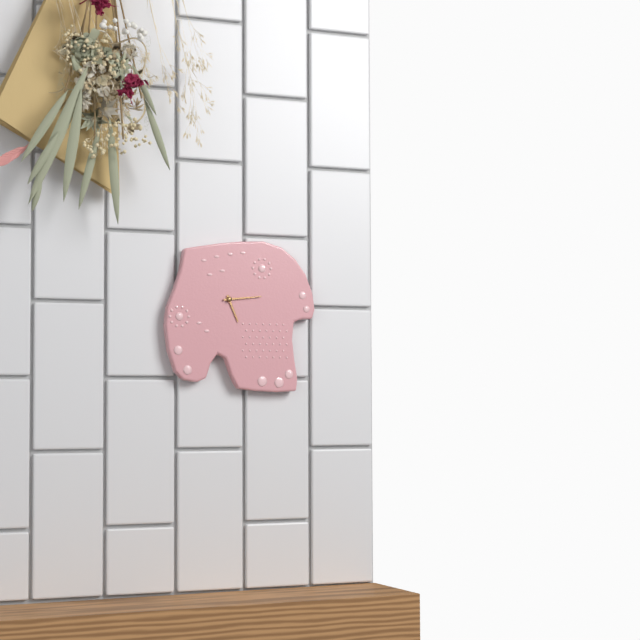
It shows 5.14
